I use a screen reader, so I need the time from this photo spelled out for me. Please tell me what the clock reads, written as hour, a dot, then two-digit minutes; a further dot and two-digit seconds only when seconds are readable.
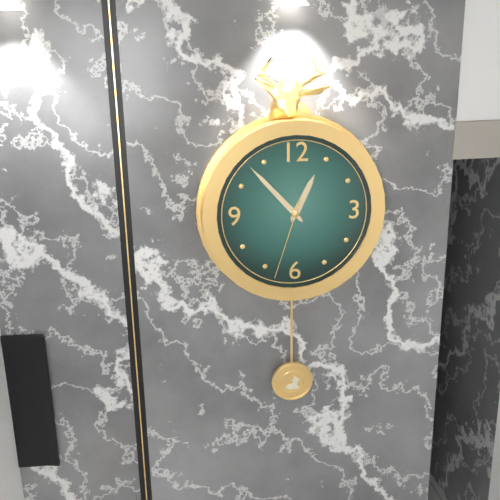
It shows 12.53.33
